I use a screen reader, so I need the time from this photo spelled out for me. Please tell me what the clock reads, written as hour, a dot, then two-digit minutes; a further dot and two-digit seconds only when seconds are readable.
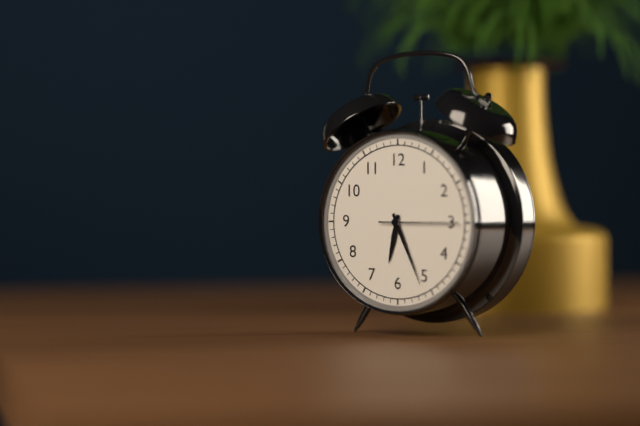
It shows 6.26.15
